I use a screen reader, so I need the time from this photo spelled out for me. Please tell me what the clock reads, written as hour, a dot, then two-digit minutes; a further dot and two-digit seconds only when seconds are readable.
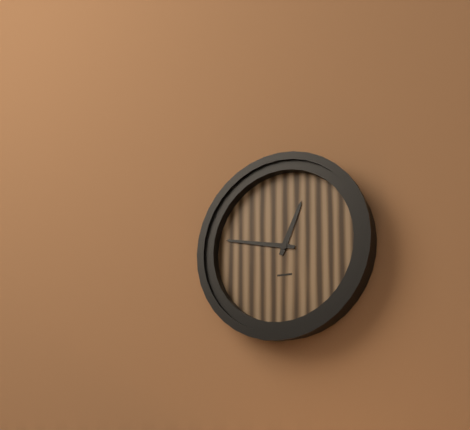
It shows 12.47
